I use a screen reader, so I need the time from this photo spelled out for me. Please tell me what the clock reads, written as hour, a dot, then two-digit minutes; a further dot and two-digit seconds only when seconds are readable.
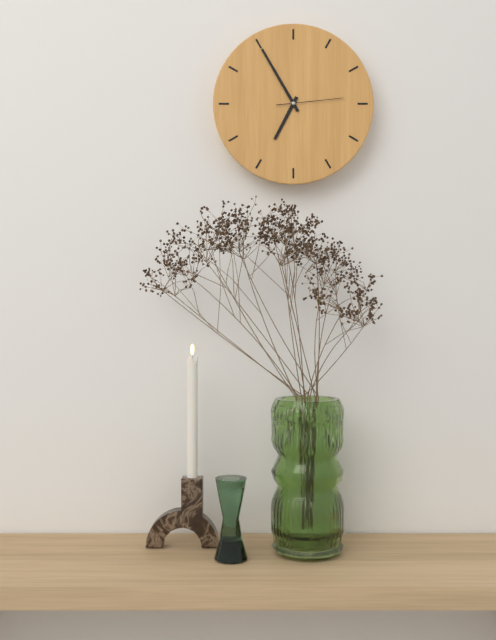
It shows 6.55.14
